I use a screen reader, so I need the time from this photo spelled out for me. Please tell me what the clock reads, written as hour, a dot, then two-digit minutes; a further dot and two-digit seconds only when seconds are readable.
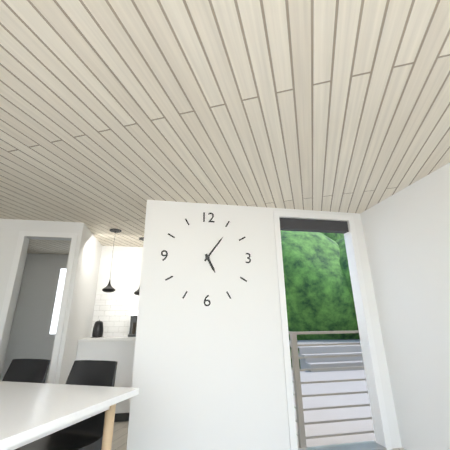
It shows 5.06
